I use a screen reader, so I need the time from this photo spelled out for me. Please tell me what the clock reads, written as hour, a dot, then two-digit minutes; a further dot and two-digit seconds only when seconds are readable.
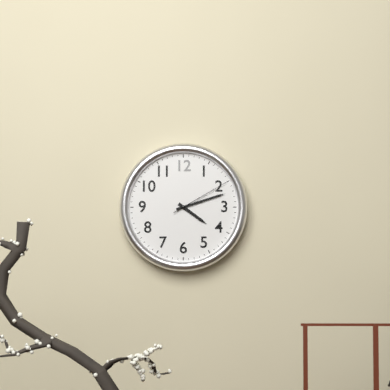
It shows 4.12.10
